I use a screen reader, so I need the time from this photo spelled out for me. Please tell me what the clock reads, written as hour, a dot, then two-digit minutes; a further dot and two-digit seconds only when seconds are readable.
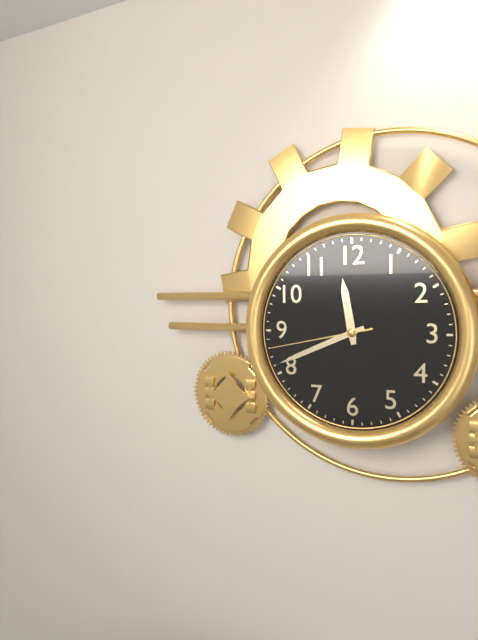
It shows 11.41.43
